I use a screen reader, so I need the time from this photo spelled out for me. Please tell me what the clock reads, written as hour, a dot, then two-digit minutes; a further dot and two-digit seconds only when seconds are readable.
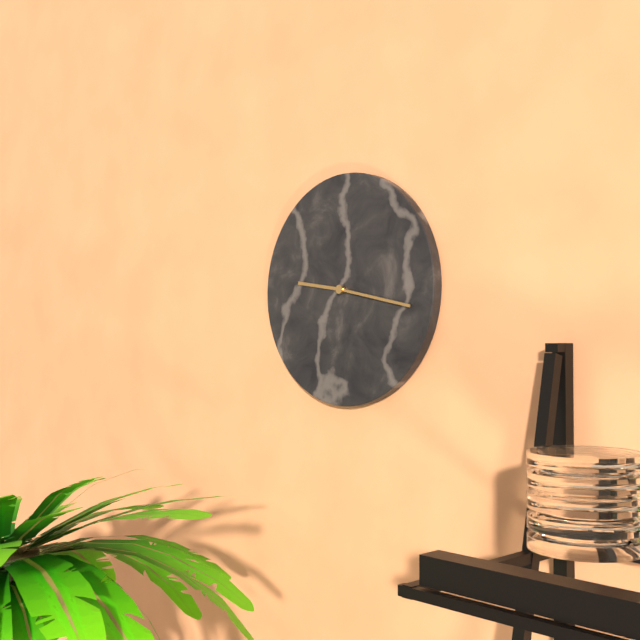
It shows 9.17
